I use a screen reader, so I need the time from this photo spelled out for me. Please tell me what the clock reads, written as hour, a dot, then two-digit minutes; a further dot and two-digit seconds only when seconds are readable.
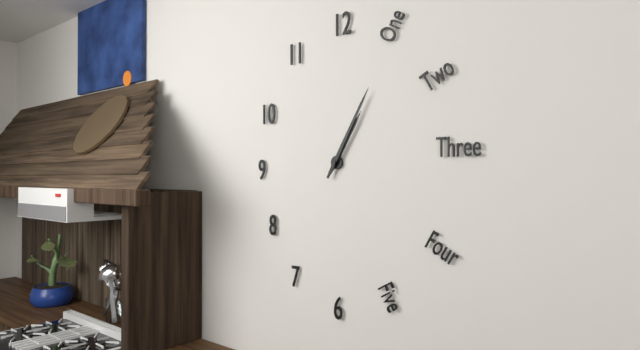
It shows 1.05
